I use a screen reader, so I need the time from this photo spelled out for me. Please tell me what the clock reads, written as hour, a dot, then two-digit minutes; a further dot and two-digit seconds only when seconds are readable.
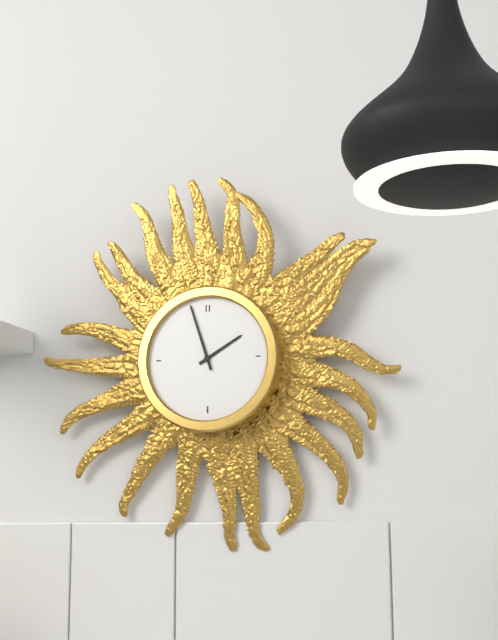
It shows 1.57
